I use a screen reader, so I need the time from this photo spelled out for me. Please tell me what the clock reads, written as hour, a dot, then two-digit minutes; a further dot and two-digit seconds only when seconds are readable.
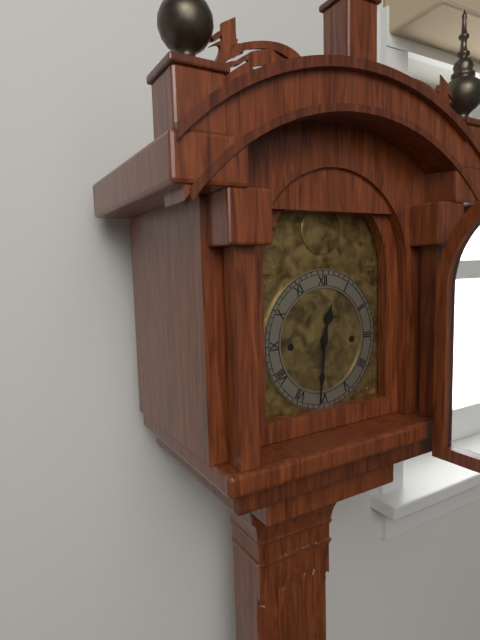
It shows 12.31
